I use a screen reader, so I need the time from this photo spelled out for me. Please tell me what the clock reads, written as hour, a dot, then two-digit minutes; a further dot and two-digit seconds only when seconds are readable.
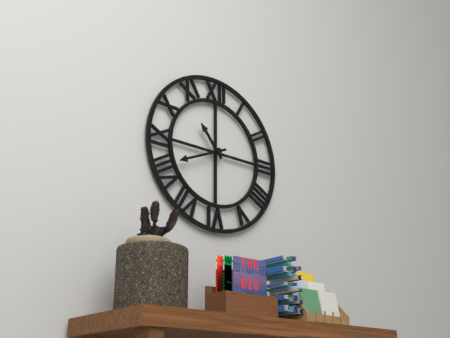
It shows 10.41
